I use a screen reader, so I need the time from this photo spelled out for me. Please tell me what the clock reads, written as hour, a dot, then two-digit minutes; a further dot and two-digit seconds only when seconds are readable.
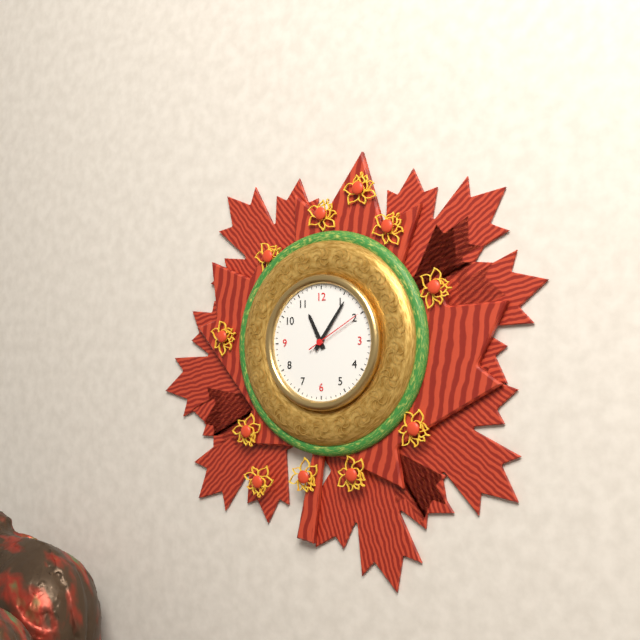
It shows 11.06.10
